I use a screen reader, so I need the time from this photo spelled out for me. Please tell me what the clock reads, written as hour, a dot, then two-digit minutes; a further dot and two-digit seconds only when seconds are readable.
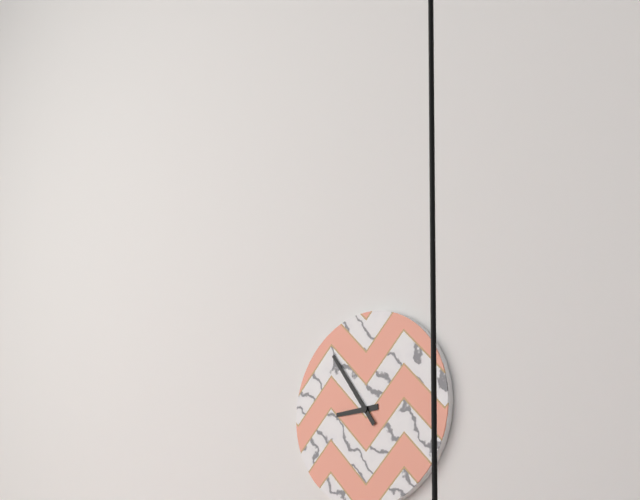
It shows 8.54
